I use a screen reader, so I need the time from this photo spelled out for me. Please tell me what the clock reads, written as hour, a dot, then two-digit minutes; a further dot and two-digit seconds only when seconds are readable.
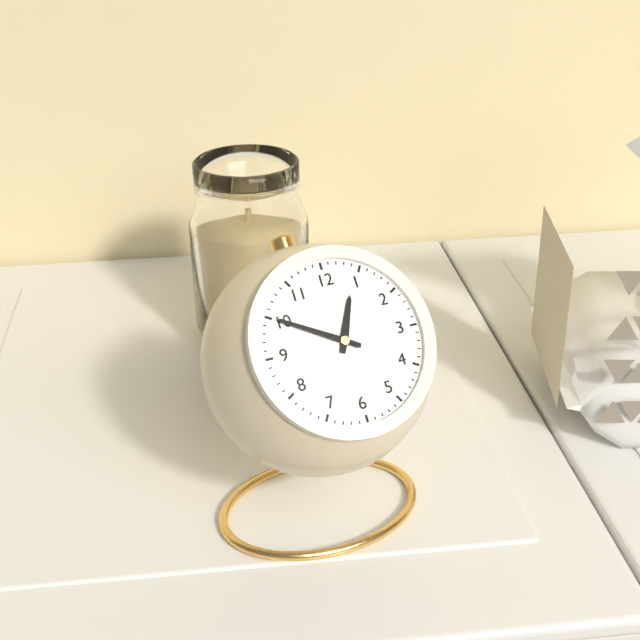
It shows 12.50
